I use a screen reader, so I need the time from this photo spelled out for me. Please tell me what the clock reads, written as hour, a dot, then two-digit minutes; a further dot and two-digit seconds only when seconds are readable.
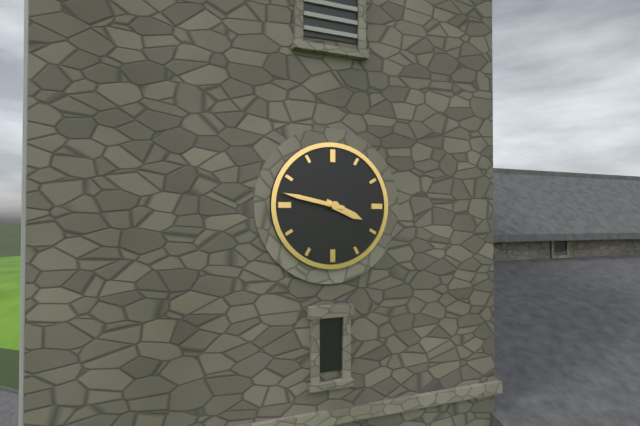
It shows 3.47
